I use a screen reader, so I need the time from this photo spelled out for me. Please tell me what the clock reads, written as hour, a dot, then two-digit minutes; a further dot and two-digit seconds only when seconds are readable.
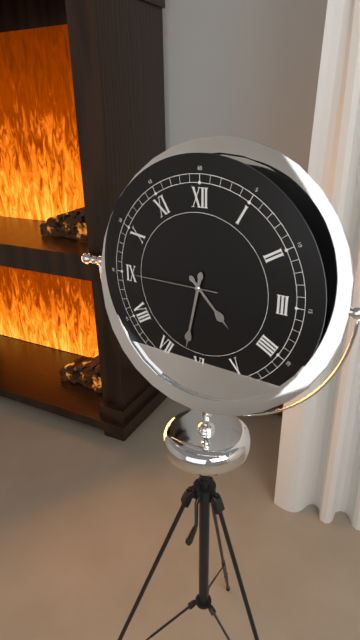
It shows 4.32.45
